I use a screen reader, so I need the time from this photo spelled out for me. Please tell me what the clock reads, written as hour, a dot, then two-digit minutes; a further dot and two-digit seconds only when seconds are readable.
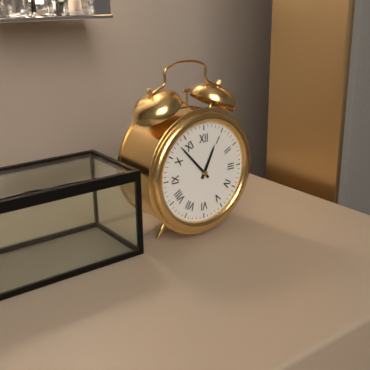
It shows 12.53
